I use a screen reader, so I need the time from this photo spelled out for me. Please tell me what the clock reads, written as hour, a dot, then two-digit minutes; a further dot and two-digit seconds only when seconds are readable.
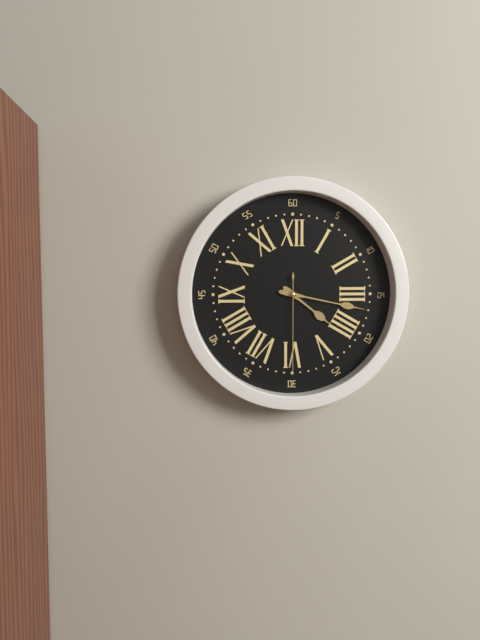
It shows 4.17.30
